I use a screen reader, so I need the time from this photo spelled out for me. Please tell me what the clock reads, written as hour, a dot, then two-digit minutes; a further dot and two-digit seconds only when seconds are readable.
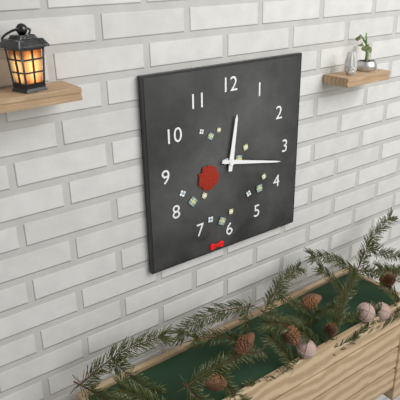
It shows 12.17
